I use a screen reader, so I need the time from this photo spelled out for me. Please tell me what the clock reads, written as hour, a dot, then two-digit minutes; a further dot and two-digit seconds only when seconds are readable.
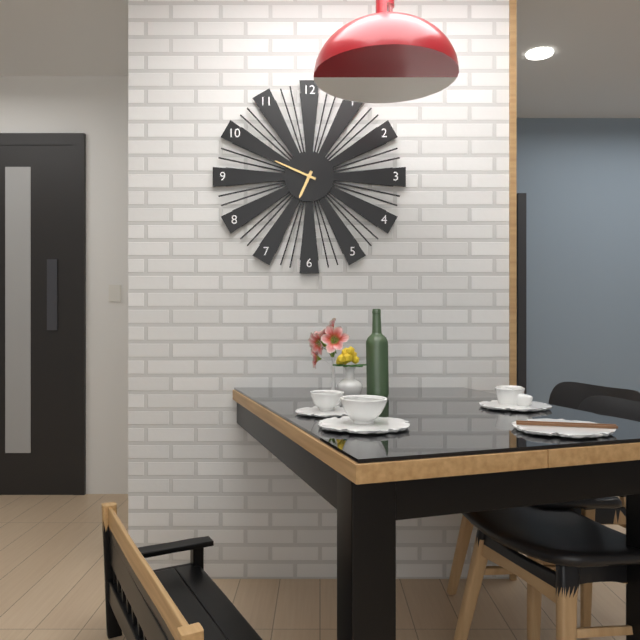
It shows 6.49
